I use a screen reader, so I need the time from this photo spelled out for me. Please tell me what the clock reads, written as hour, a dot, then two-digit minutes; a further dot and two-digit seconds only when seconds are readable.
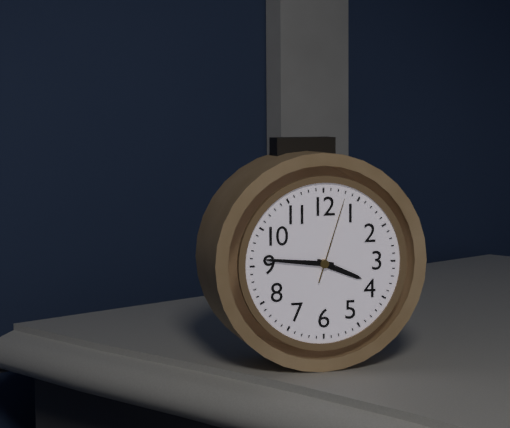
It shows 3.46.03
